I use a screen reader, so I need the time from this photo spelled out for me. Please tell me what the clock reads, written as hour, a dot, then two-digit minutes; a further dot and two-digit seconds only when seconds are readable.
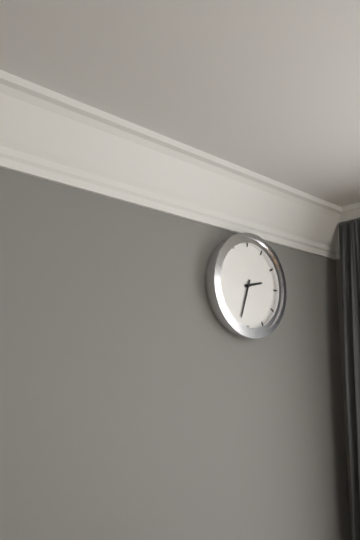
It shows 2.33
